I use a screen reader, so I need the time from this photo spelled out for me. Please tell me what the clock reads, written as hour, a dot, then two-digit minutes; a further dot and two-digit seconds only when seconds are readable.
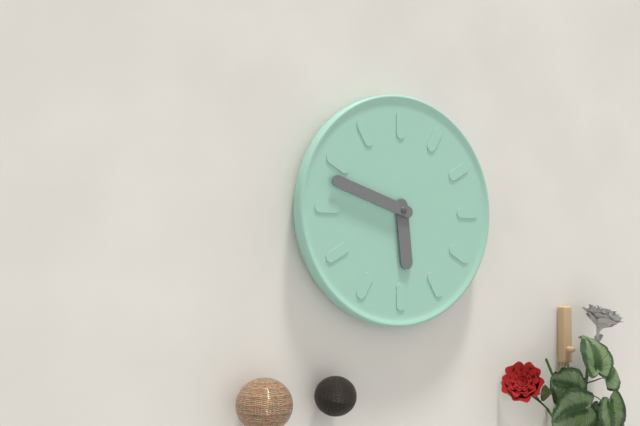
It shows 5.48
